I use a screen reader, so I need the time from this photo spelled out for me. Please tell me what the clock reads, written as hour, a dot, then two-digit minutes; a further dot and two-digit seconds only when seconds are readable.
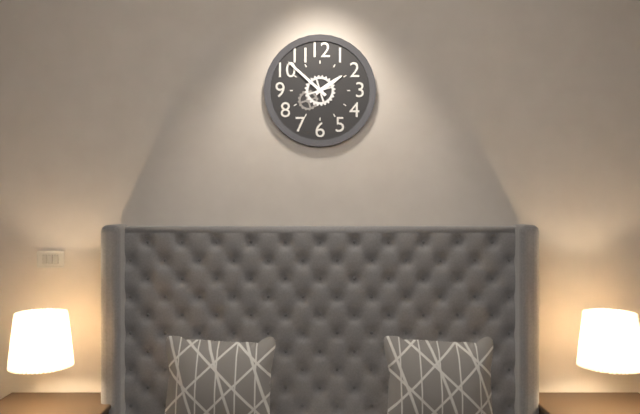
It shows 1.52
